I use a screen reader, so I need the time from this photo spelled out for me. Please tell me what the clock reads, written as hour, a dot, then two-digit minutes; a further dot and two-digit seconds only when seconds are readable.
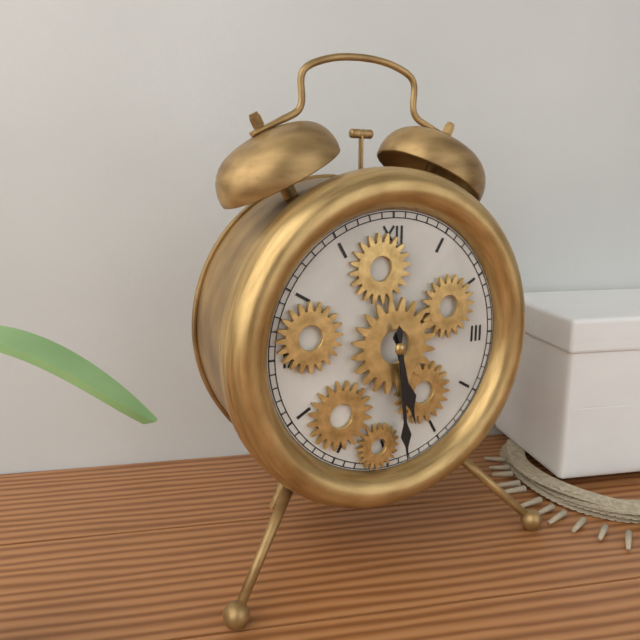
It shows 5.29
